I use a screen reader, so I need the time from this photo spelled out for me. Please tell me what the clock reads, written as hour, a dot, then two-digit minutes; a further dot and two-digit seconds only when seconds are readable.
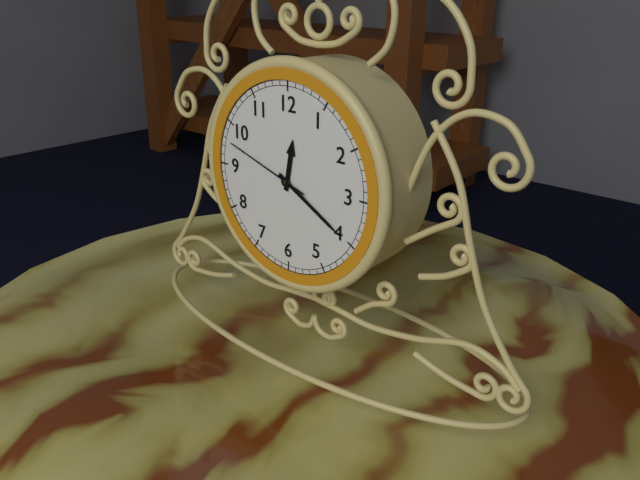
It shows 12.20.48
